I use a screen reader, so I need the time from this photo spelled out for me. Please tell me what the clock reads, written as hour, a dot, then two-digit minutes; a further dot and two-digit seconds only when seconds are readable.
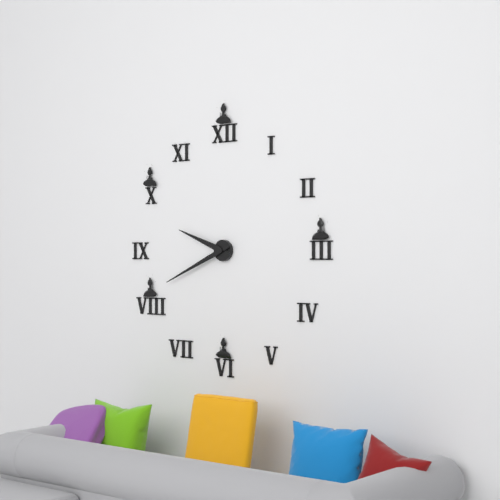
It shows 9.41
